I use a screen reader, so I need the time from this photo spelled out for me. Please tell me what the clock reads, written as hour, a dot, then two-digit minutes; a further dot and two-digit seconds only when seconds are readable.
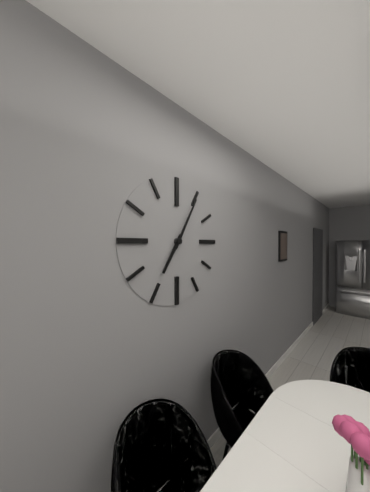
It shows 7.05
